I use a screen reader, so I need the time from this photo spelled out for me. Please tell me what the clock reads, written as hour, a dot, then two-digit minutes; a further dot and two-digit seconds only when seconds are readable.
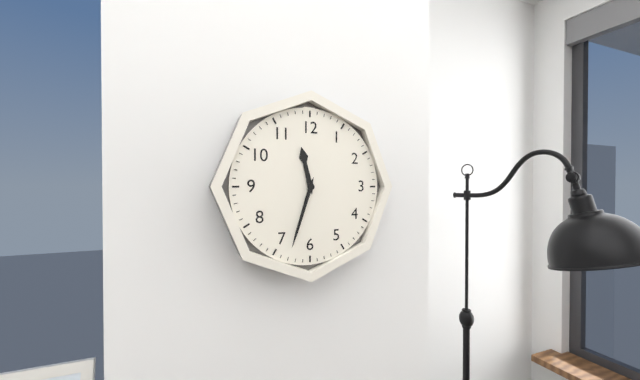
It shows 11.33
